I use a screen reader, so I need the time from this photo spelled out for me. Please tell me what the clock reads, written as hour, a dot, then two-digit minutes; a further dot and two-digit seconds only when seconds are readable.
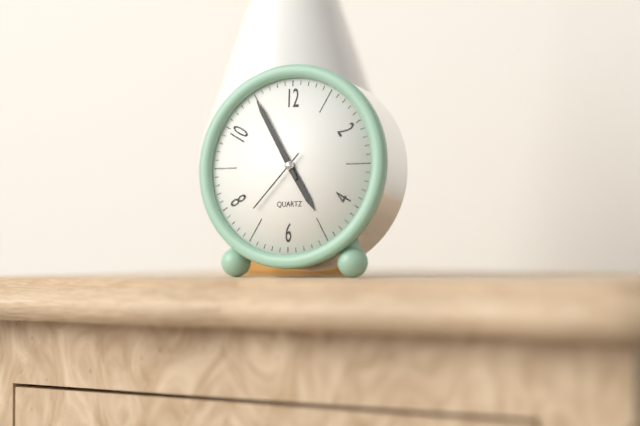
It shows 4.55.37
